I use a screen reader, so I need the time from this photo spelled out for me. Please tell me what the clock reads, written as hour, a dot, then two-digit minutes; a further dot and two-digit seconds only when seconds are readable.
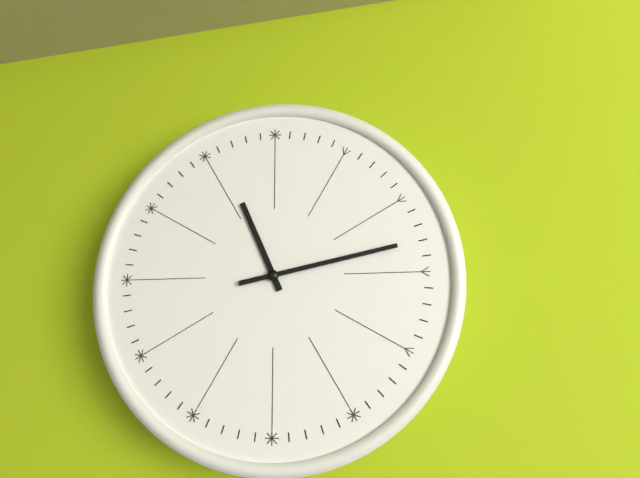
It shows 11.13
